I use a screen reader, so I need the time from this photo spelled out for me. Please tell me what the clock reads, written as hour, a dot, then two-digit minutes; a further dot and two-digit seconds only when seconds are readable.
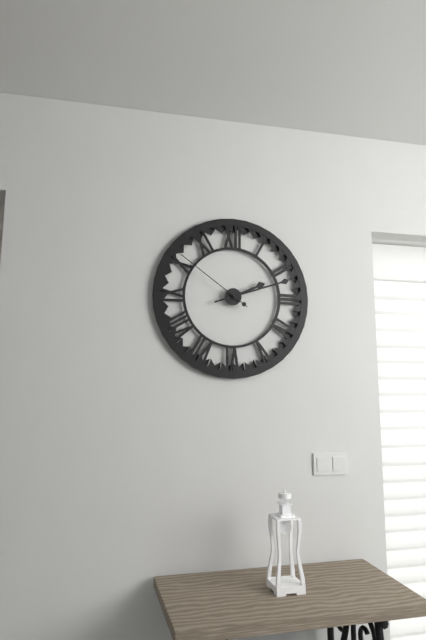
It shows 2.12.51
